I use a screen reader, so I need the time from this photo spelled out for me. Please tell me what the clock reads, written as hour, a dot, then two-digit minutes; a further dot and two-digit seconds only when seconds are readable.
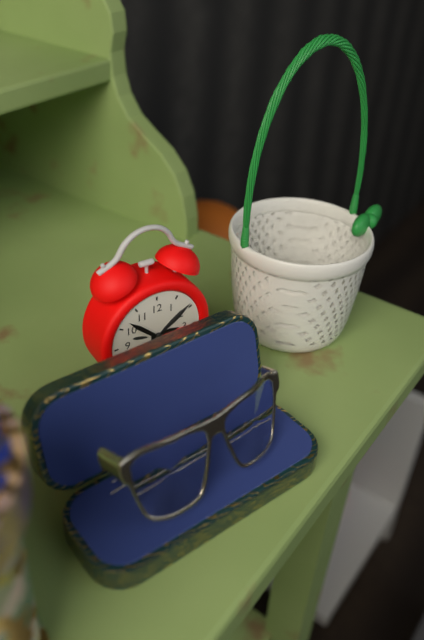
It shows 2.52
